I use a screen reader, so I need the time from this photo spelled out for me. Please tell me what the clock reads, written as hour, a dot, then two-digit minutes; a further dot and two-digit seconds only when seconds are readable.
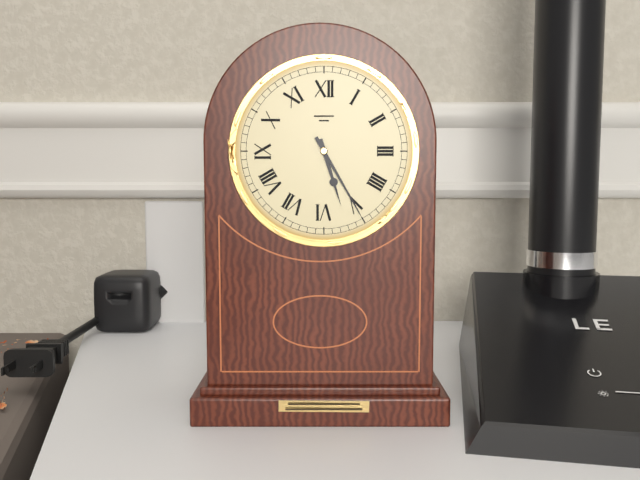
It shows 5.25
